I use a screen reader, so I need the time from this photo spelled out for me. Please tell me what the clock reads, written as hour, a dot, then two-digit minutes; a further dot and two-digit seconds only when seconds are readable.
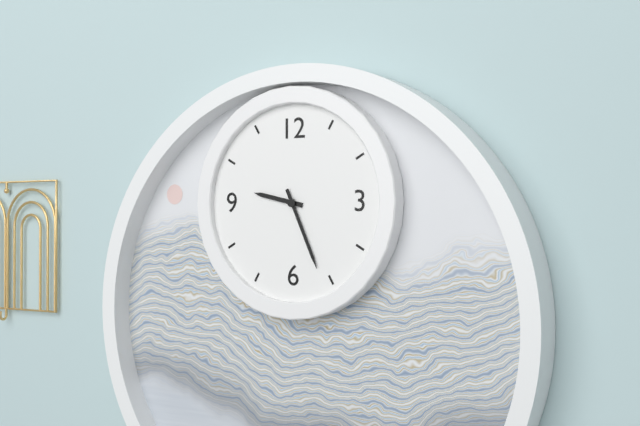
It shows 9.26
